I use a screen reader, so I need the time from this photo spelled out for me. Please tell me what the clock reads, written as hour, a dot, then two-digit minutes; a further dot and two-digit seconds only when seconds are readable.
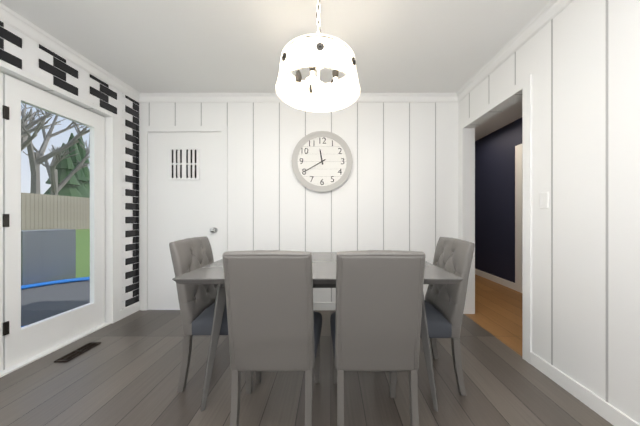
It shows 11.40
